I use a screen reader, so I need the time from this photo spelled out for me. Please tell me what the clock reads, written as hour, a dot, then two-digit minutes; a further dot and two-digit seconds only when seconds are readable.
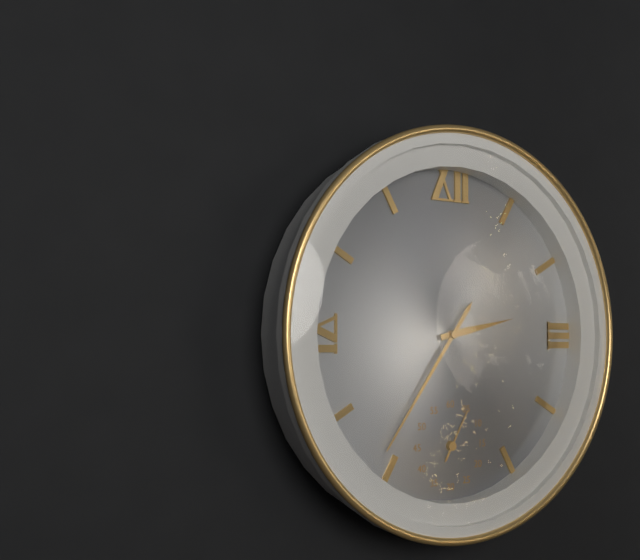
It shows 2.36.05
